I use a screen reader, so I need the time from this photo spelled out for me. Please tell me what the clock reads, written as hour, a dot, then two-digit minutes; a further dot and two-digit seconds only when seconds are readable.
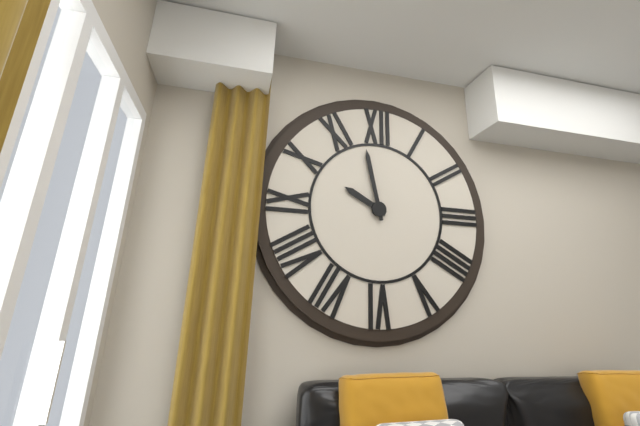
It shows 9.58
